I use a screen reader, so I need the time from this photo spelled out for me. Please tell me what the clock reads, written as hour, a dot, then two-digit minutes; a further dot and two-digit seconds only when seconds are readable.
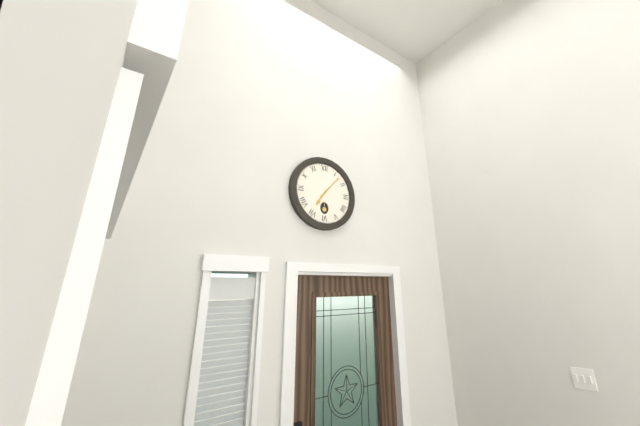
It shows 7.07
